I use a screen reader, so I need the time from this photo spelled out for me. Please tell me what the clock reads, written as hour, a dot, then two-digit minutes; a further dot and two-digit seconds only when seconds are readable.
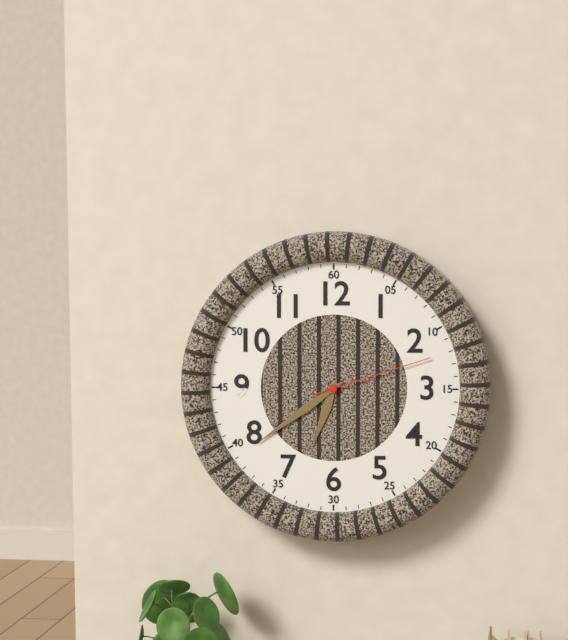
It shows 6.39.12
